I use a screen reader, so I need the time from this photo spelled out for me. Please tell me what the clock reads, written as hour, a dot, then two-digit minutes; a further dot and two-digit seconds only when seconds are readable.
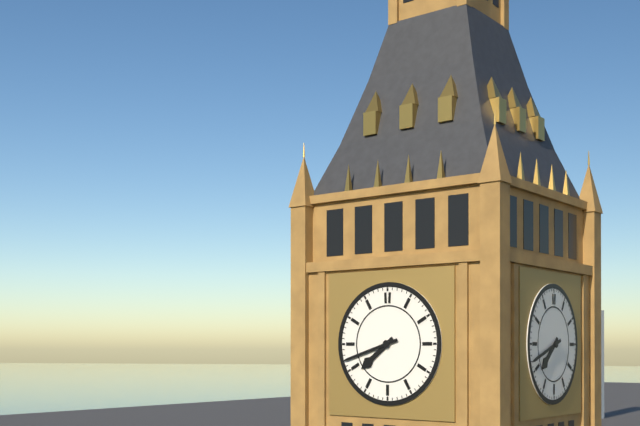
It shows 7.42
